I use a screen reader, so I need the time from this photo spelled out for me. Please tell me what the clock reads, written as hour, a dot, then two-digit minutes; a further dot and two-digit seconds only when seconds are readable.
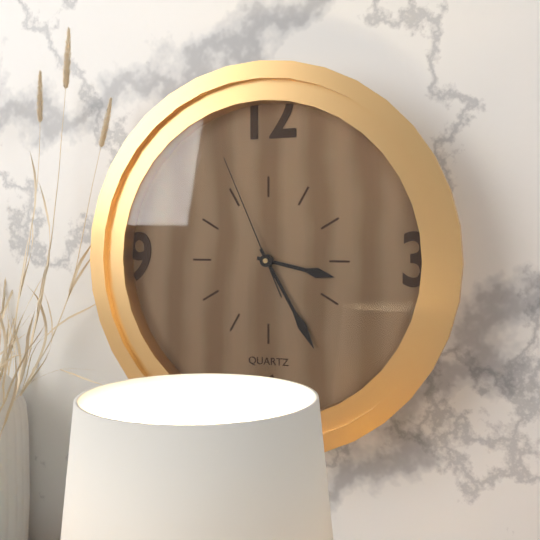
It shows 3.25.56
